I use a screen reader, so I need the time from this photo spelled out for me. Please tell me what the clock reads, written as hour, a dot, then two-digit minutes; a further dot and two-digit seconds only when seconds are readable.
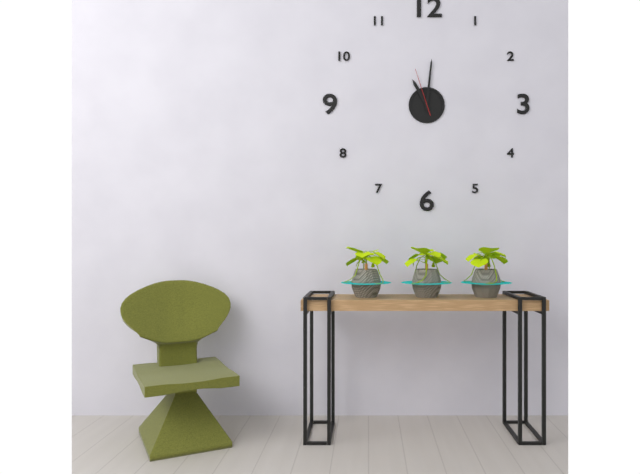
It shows 11.01
